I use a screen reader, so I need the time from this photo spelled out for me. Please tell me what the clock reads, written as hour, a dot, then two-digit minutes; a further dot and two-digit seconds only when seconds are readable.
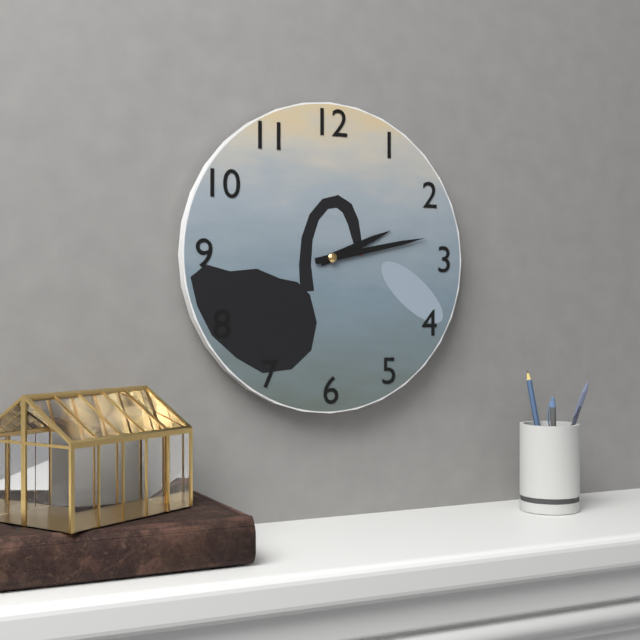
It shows 2.13
